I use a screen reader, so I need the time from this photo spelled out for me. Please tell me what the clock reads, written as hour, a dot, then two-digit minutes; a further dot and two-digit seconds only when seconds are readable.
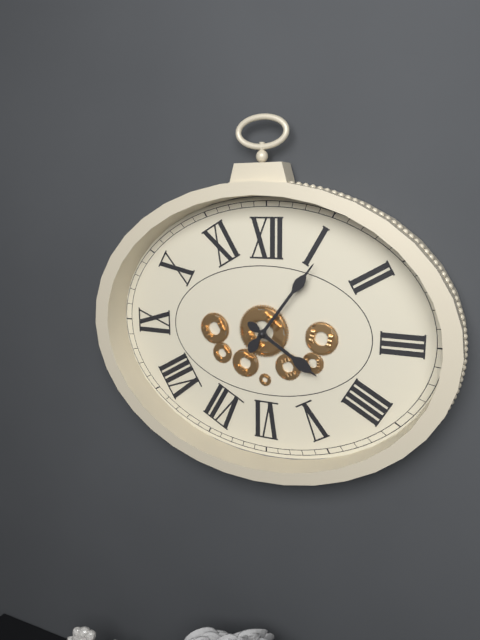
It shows 4.06
